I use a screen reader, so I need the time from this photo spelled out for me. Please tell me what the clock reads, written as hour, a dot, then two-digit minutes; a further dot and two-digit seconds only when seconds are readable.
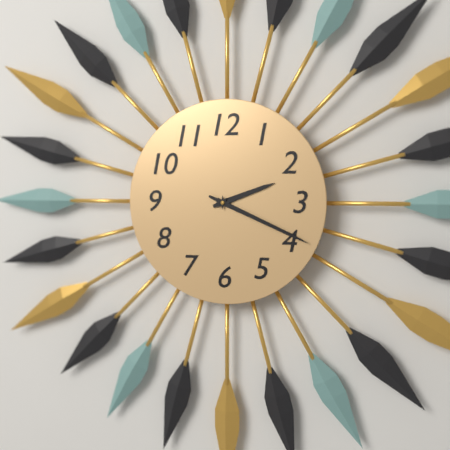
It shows 2.19
